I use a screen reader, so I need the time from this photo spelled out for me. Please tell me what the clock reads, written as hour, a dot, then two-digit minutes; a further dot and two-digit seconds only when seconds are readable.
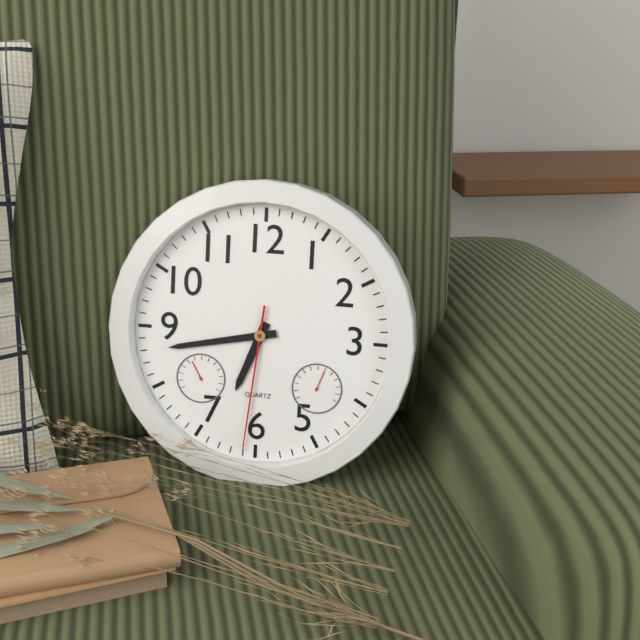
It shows 6.43.31
